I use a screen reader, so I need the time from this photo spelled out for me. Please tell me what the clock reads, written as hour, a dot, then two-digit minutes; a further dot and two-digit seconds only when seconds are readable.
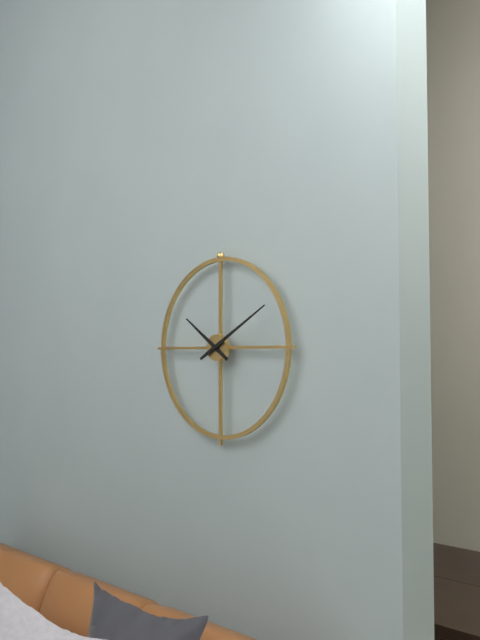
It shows 10.10
